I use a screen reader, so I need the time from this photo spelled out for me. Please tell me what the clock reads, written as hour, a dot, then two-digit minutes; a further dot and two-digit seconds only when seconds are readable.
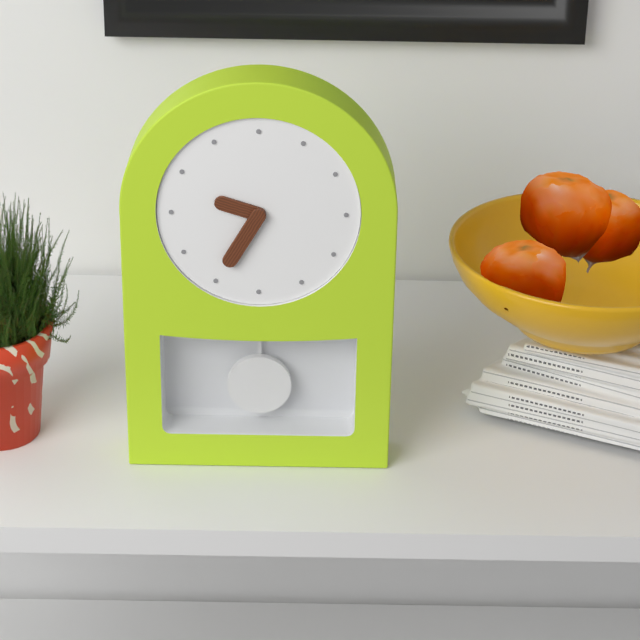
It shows 9.35
